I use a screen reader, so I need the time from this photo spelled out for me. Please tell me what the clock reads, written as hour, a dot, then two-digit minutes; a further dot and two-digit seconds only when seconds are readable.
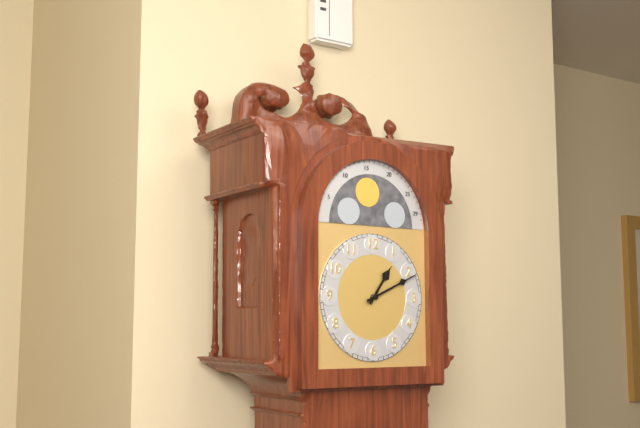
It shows 1.11
